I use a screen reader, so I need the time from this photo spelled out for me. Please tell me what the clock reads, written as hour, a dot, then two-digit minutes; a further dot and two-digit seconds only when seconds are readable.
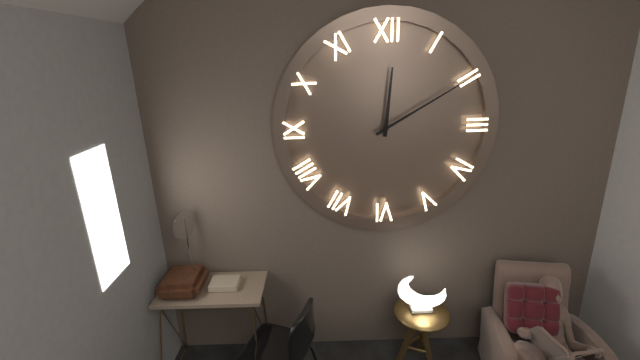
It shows 12.10
